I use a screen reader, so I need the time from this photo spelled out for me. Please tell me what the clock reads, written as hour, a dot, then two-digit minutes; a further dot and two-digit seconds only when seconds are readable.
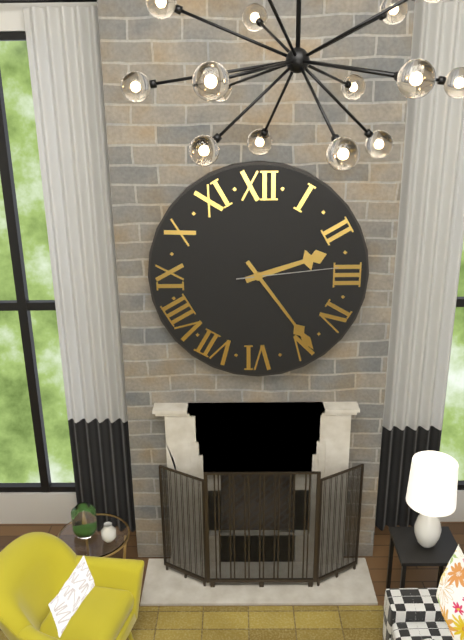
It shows 2.24.14
